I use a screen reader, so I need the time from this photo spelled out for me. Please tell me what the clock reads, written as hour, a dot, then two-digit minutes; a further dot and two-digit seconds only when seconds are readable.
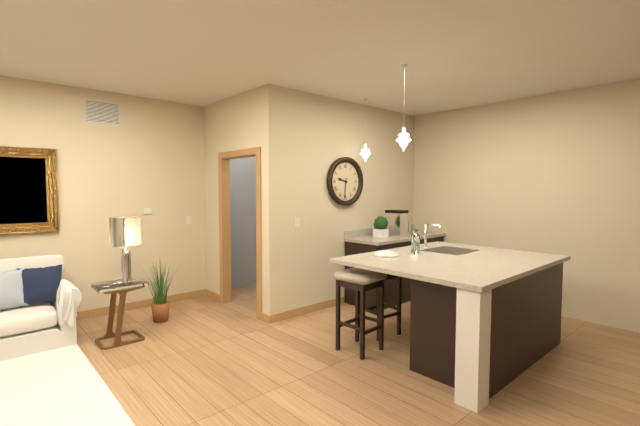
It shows 9.31
